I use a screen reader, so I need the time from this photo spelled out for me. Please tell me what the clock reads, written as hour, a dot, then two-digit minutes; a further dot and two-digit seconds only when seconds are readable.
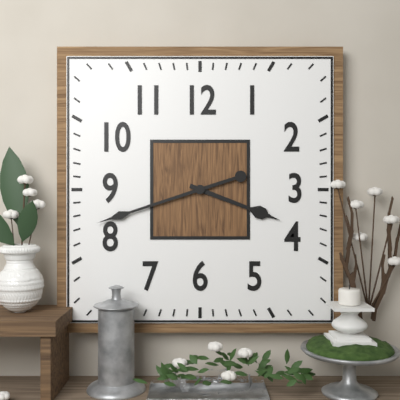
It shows 3.42
